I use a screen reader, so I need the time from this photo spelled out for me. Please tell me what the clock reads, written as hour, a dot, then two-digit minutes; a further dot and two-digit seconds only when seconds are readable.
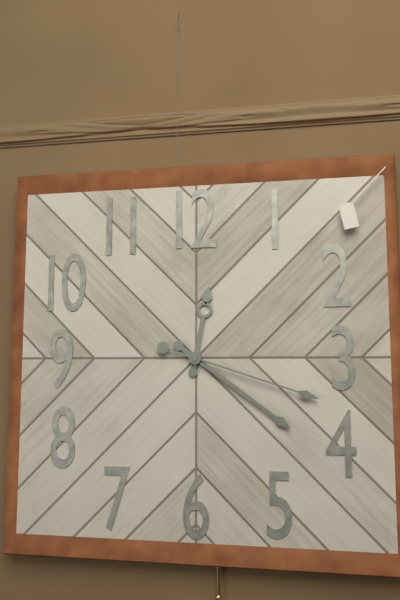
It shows 12.21.18
